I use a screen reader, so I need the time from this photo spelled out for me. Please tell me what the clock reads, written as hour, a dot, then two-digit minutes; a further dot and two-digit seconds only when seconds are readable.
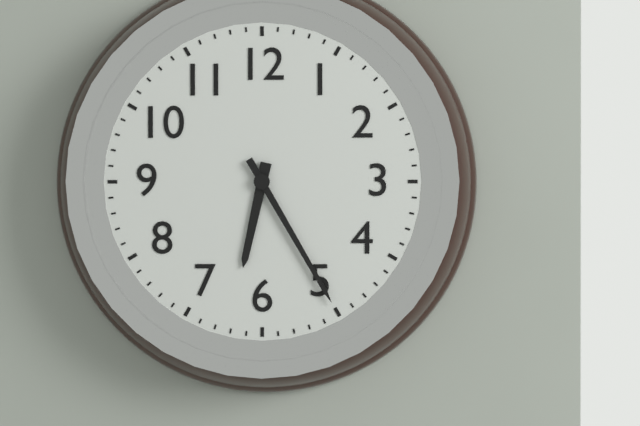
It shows 6.25
